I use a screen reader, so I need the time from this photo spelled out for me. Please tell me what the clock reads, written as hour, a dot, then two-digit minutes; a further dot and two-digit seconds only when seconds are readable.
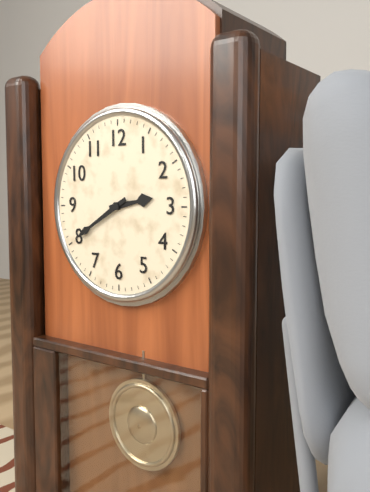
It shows 2.40
